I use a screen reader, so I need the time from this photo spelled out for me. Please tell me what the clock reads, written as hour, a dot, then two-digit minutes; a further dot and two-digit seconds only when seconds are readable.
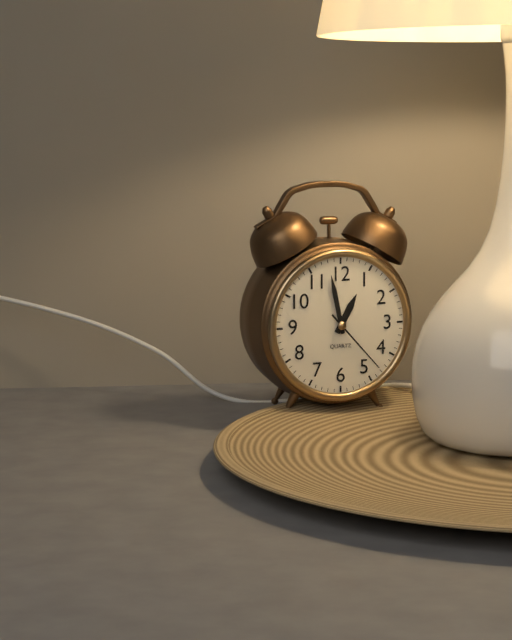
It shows 12.58.23
